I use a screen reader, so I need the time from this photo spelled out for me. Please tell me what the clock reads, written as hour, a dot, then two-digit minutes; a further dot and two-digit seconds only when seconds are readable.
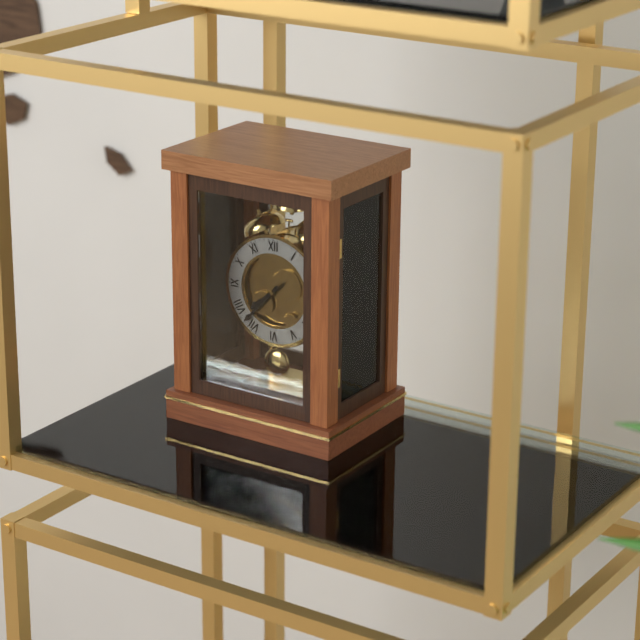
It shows 7.37
